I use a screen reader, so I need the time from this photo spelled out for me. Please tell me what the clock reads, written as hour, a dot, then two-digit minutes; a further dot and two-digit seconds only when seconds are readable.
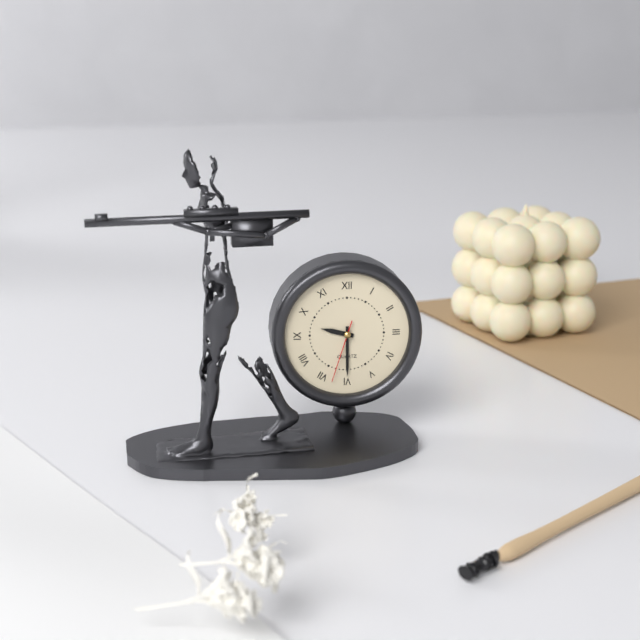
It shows 9.30.33
